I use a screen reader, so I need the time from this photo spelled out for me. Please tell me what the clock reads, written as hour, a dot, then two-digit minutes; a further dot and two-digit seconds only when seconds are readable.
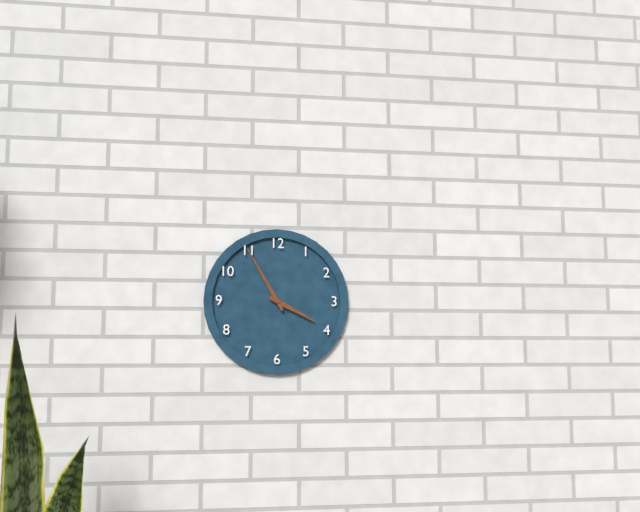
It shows 3.55
